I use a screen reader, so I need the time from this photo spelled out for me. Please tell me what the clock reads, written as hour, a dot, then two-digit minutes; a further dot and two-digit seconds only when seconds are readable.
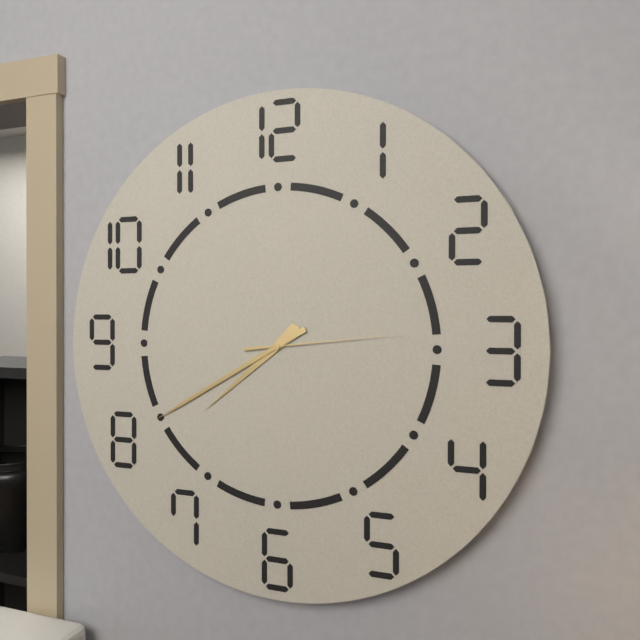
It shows 7.40.14
